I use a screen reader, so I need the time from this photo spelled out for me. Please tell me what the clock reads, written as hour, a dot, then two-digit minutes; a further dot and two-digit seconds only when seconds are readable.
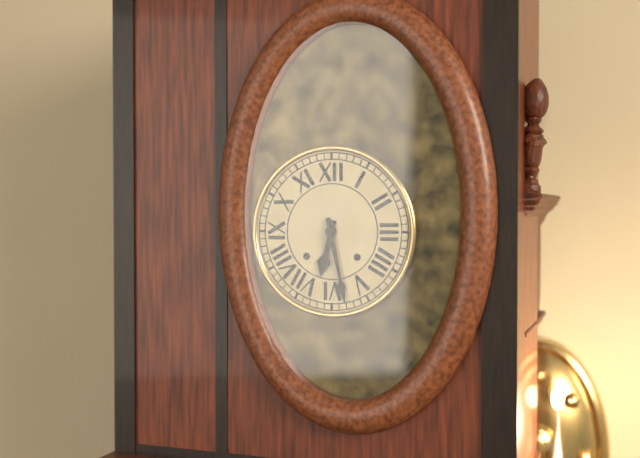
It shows 6.28
